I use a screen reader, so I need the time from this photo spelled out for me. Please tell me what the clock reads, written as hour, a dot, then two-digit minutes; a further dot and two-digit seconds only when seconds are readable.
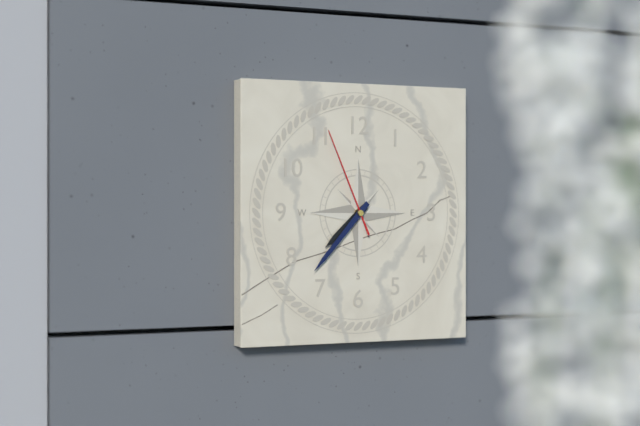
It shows 7.37.56
